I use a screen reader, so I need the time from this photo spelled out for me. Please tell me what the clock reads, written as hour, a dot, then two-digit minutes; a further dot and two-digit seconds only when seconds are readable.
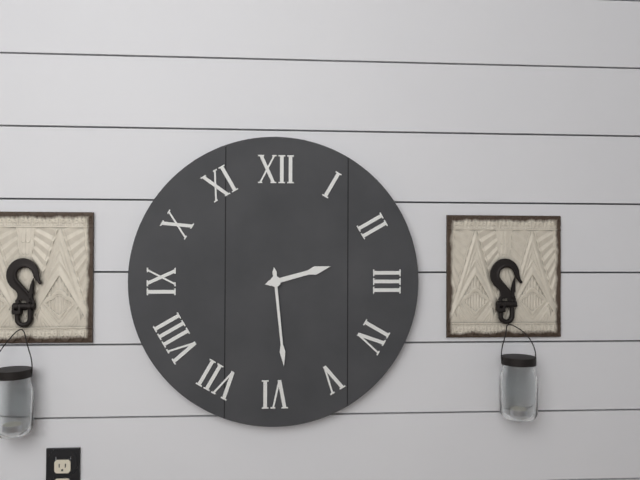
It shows 2.29
